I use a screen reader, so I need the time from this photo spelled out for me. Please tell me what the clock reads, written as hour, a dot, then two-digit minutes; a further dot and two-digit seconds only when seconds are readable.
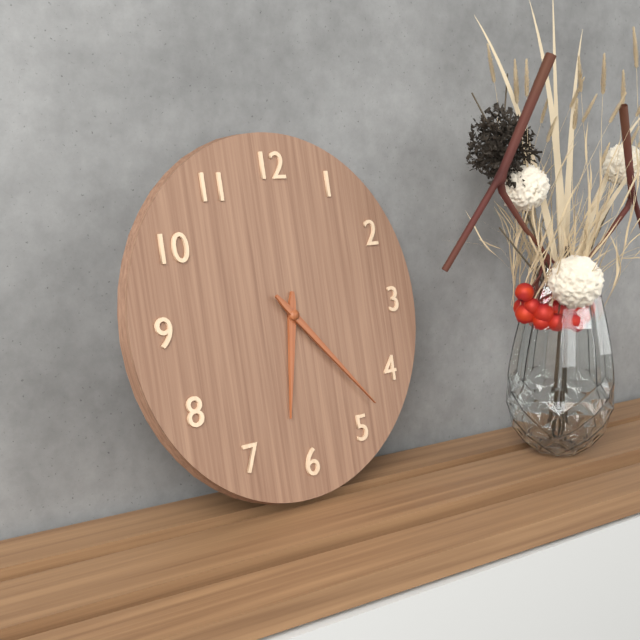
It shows 6.23
